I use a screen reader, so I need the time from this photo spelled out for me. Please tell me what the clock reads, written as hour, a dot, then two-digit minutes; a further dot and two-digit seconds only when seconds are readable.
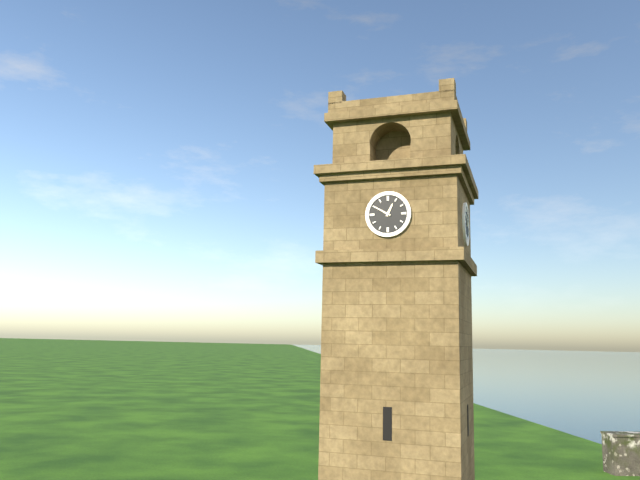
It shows 12.50
